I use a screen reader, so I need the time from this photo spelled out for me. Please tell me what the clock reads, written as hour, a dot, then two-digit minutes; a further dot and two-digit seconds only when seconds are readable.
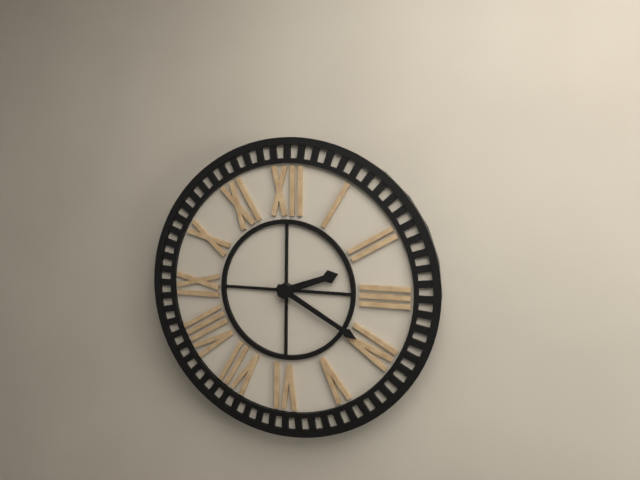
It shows 2.20
